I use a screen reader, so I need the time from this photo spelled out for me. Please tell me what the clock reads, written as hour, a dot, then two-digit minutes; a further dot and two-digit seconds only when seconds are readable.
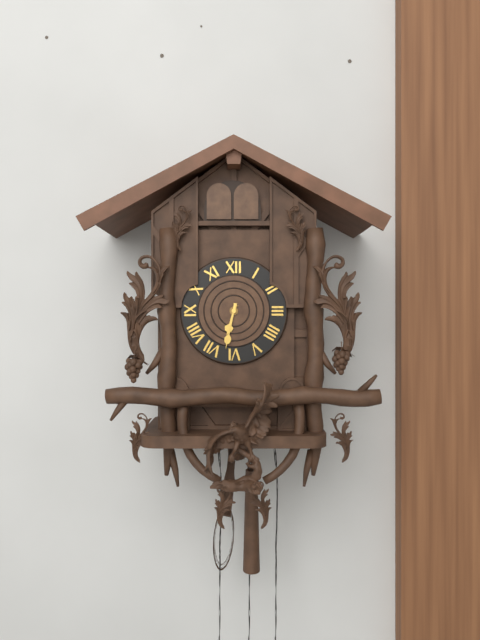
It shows 6.32
